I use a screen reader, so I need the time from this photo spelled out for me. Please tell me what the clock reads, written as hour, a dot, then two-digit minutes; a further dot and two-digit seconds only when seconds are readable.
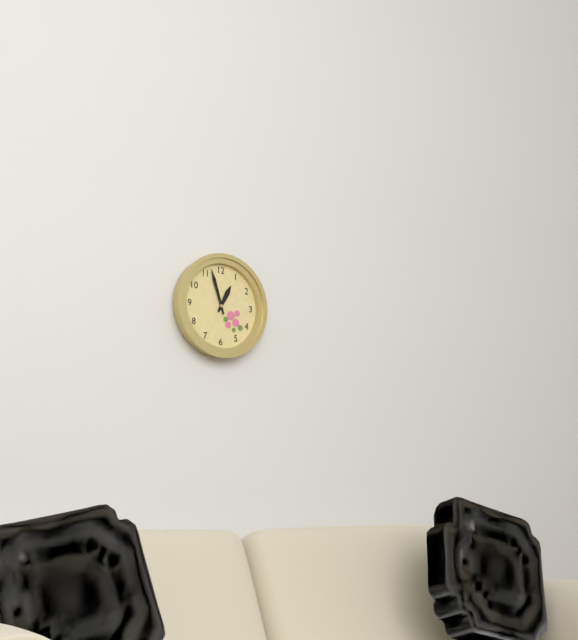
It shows 12.57
